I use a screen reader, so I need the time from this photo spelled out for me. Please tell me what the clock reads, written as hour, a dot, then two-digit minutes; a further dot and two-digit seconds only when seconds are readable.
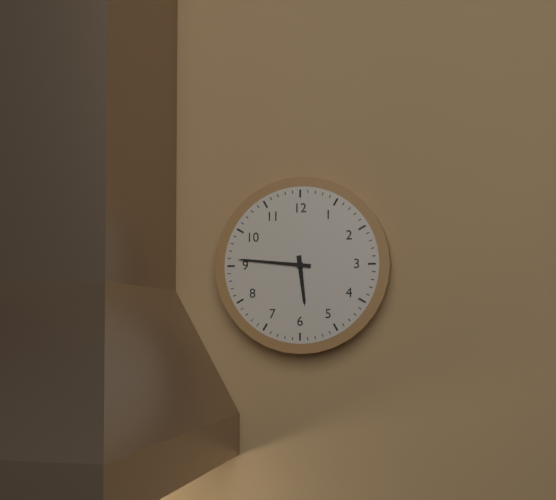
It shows 5.46
